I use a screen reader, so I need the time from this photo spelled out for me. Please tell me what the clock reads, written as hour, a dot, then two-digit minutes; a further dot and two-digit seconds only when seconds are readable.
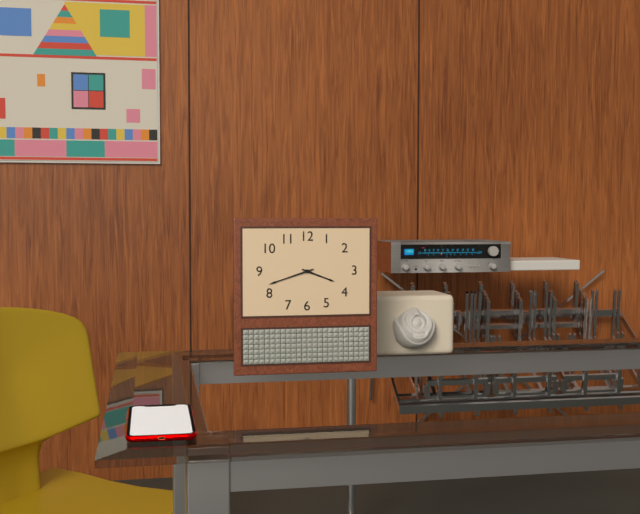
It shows 3.42
